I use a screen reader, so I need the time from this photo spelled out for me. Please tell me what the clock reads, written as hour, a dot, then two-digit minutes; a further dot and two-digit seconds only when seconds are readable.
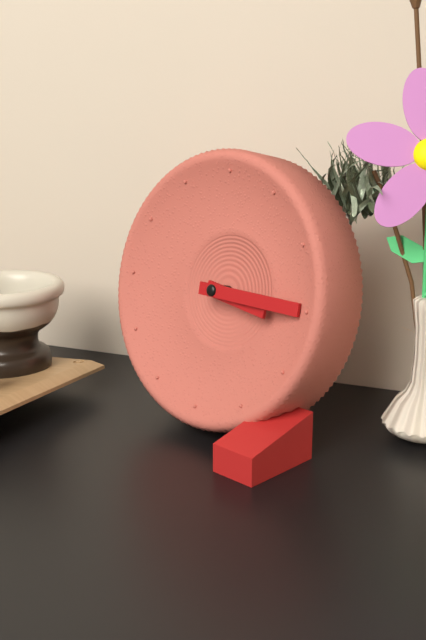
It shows 3.15
